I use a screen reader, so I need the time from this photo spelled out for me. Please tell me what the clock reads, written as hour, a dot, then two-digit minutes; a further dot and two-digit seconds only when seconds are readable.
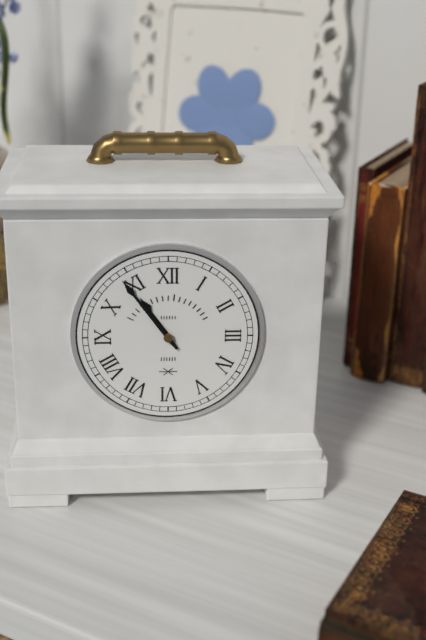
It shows 10.54
